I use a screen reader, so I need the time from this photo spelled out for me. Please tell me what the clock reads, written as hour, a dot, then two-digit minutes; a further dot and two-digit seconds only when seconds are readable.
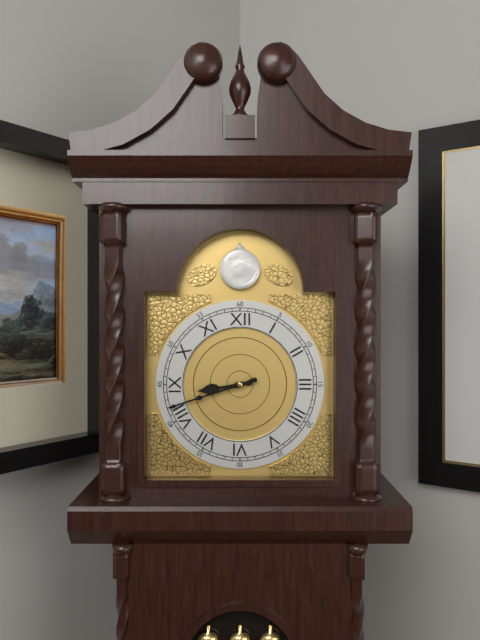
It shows 8.42
